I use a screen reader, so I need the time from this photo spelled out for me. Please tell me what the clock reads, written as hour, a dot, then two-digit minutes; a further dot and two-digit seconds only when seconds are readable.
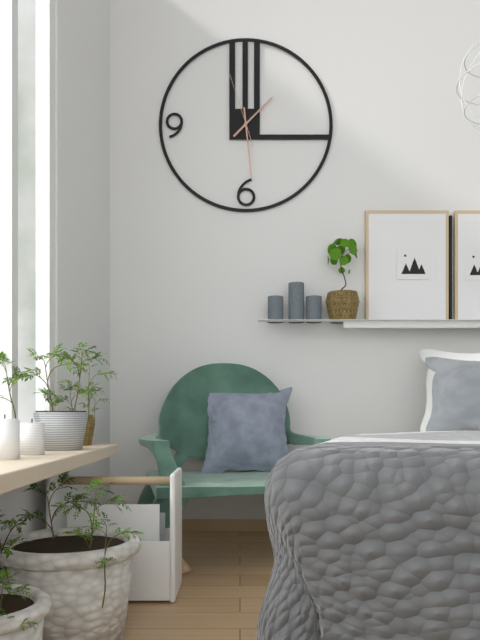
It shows 1.29.57
